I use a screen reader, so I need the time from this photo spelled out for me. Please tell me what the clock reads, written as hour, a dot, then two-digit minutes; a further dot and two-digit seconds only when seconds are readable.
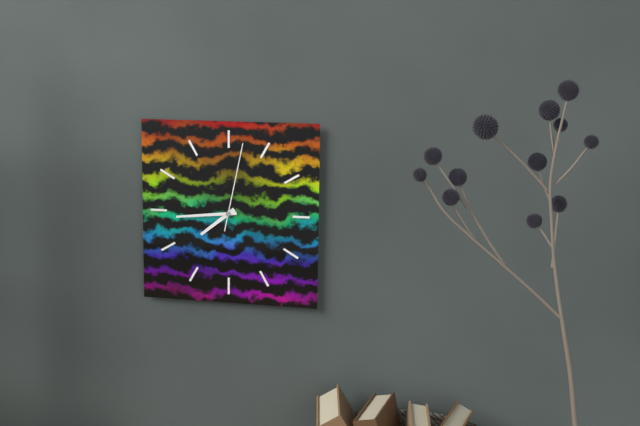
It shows 7.44.02
